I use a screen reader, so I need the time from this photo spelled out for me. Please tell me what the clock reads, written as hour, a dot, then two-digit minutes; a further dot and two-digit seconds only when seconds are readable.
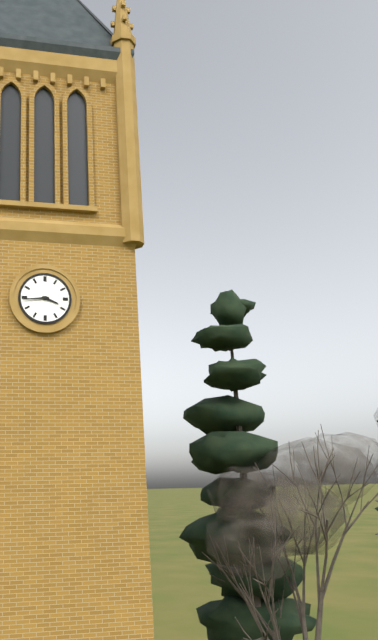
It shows 3.44
